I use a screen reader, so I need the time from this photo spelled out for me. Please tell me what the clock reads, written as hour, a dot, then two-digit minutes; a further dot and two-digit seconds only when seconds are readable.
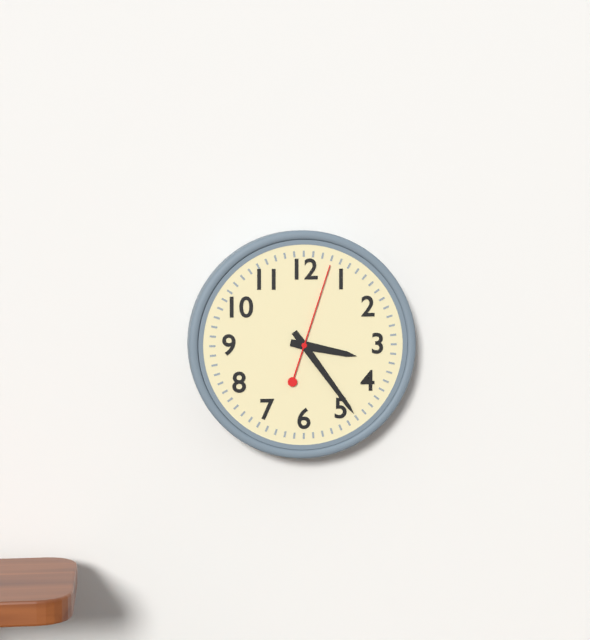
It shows 3.24.03
